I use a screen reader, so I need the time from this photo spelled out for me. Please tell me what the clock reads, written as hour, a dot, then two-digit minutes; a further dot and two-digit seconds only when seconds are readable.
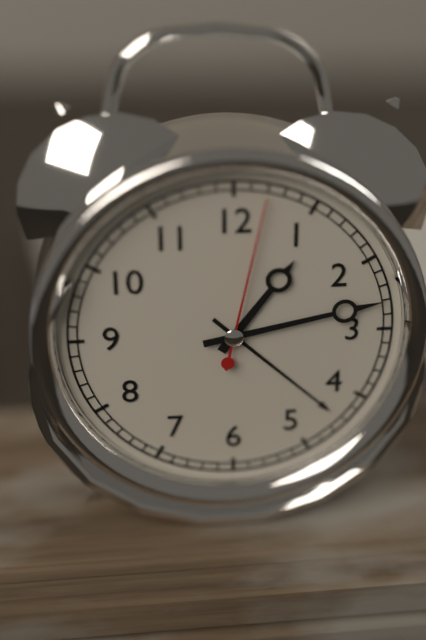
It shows 1.13.02
